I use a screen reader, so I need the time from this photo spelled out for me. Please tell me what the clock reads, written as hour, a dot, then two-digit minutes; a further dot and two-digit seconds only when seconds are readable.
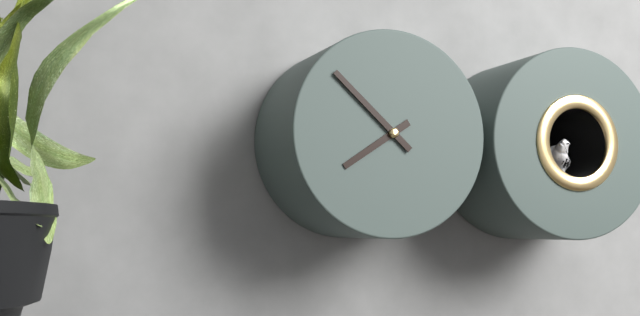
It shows 7.52
